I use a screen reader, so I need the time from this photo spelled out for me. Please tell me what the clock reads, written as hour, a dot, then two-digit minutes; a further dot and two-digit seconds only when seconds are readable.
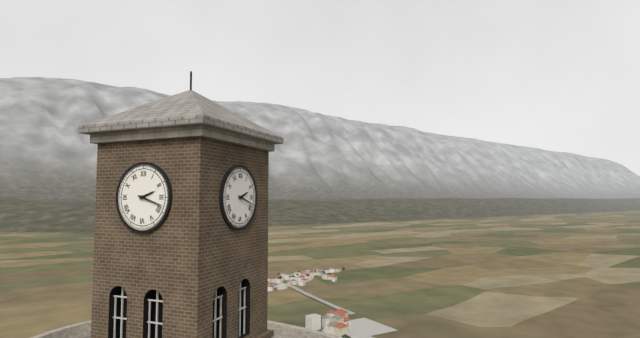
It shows 2.18
